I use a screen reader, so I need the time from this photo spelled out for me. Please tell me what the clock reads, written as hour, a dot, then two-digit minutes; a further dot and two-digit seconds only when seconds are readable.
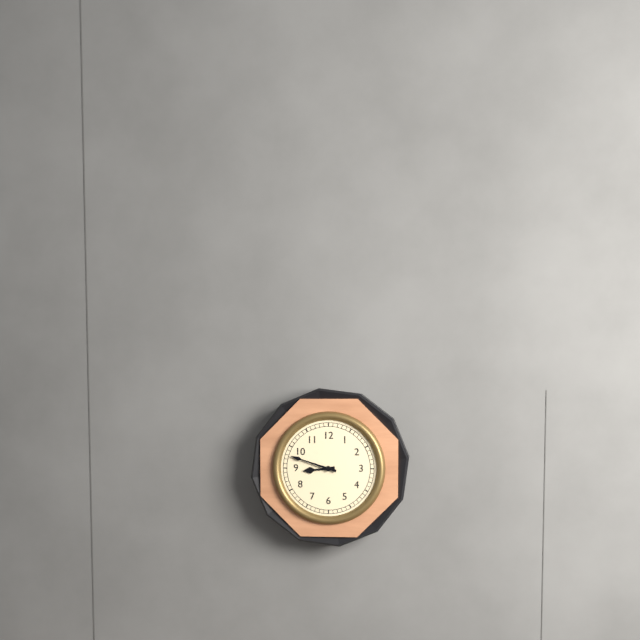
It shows 8.48
